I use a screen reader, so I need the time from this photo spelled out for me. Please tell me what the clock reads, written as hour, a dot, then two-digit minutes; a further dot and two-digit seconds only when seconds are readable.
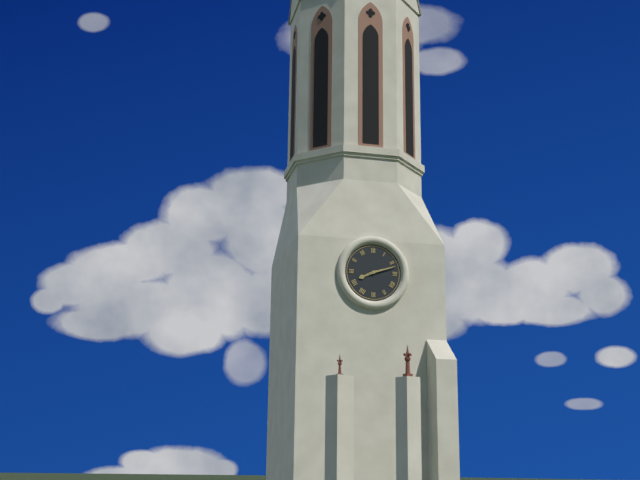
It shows 8.12
